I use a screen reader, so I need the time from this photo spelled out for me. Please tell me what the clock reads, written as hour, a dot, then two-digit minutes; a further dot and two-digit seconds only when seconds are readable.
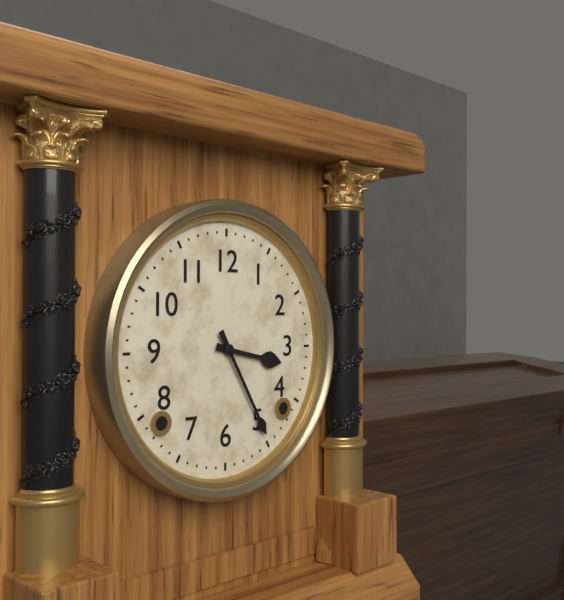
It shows 3.25
